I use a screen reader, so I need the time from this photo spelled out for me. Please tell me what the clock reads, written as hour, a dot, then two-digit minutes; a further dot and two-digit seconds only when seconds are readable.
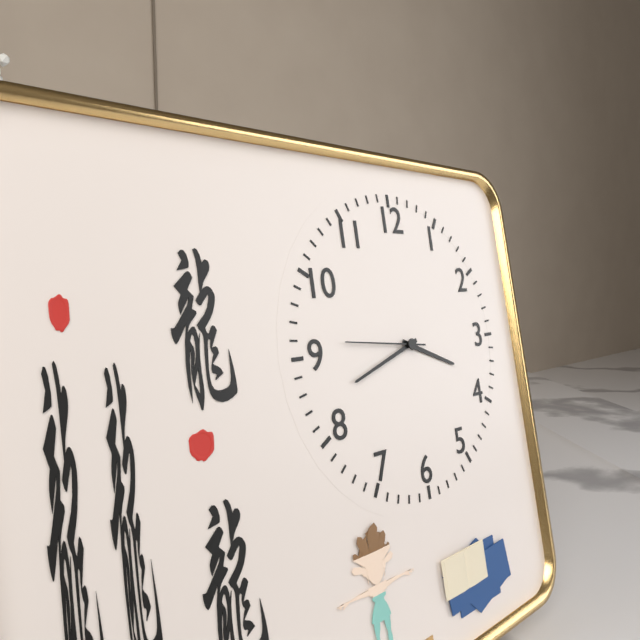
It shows 3.42.46
